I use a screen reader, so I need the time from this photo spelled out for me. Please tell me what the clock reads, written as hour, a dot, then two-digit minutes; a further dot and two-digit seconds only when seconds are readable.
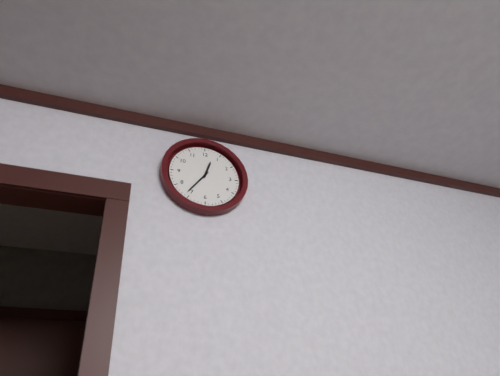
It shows 12.36
